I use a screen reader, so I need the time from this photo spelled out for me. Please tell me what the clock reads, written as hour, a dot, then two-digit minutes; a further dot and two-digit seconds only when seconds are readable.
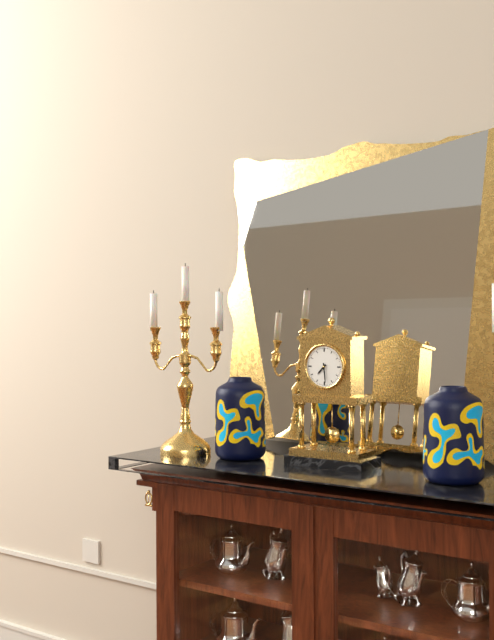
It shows 7.29
